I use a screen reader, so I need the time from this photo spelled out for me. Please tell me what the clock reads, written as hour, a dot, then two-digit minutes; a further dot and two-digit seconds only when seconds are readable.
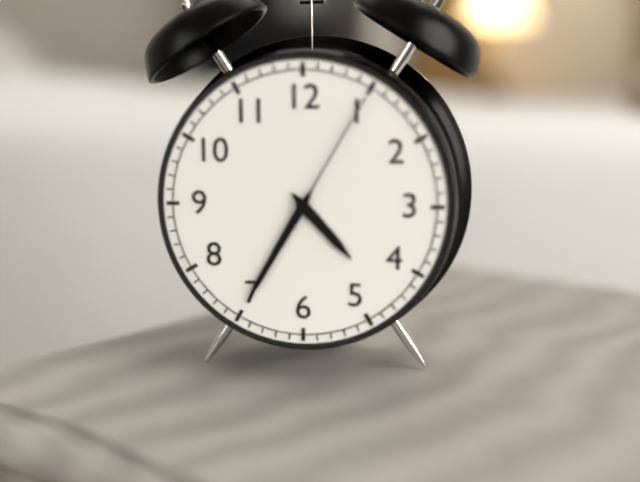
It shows 4.35.05
